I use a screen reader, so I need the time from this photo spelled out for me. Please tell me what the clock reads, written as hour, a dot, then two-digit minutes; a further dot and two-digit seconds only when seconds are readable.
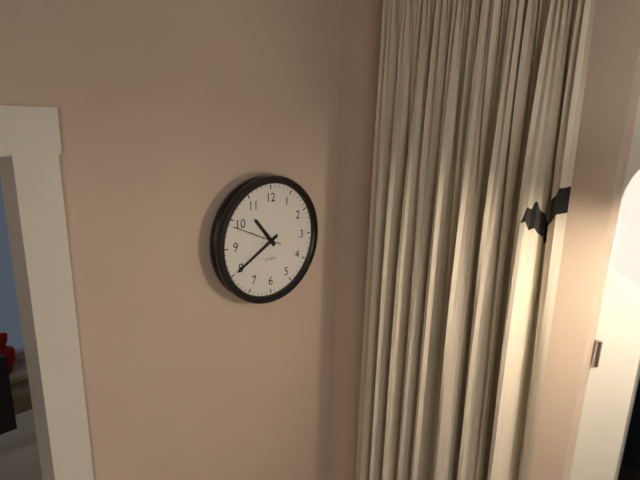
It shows 10.40.49
